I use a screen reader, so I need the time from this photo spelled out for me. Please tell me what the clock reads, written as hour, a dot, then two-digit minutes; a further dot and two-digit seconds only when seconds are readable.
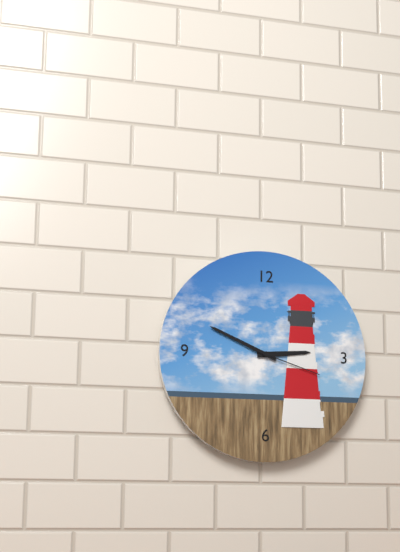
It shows 2.49.18
